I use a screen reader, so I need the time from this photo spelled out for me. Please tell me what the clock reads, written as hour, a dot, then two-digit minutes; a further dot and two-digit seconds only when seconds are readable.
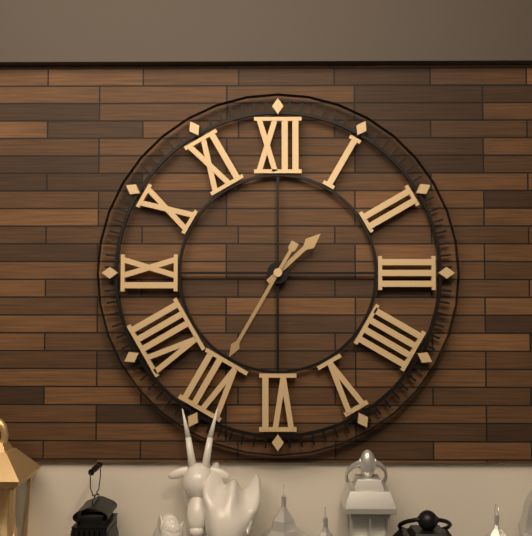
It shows 1.35
